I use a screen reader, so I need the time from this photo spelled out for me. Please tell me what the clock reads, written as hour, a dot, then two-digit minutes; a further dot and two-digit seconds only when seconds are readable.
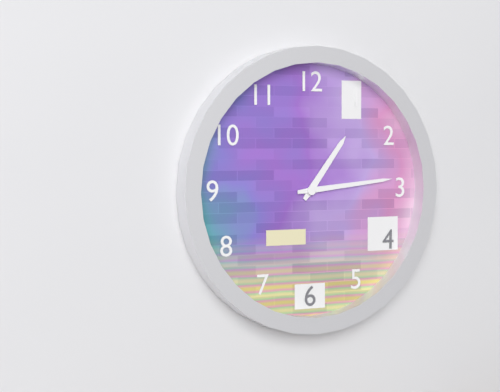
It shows 1.14
